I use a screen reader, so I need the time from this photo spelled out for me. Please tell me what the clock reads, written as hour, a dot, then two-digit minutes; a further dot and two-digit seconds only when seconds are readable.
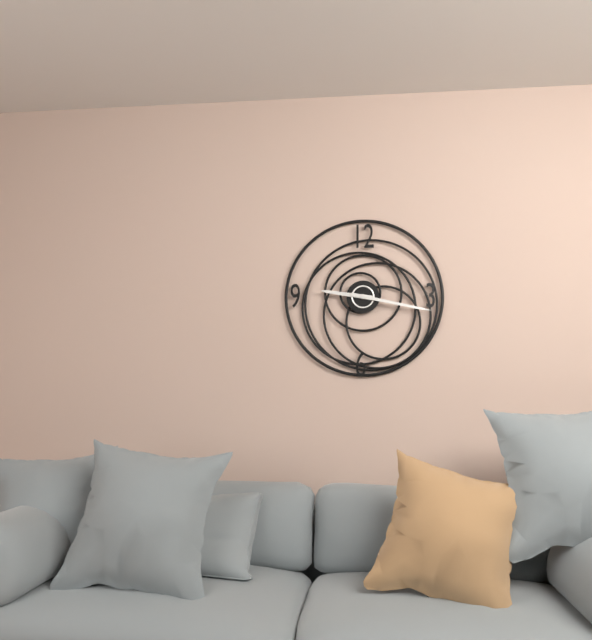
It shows 9.17
